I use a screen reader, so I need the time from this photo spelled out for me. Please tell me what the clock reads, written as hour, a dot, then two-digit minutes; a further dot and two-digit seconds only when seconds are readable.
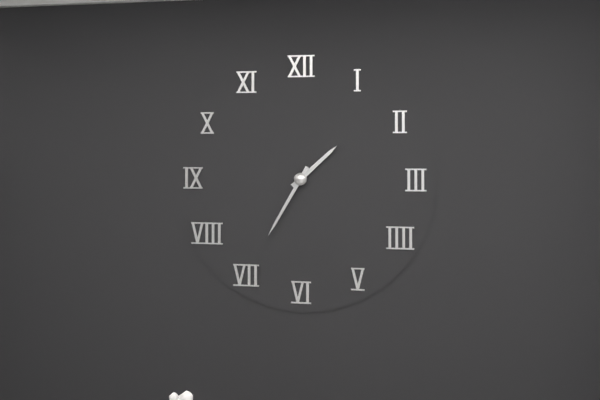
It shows 1.35
